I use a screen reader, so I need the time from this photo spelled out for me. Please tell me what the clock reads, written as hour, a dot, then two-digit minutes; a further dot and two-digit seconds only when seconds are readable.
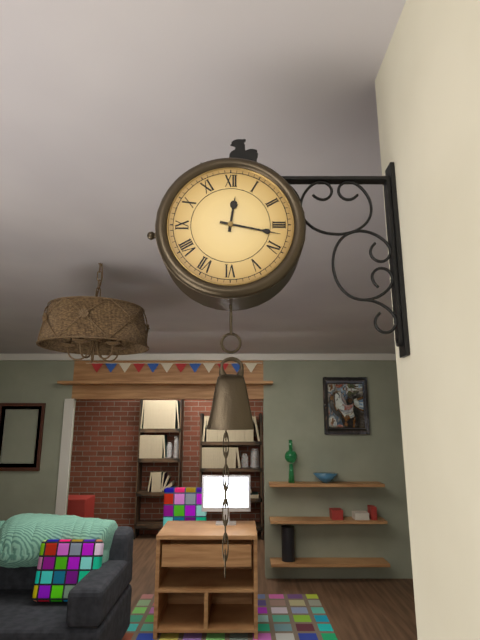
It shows 12.17
